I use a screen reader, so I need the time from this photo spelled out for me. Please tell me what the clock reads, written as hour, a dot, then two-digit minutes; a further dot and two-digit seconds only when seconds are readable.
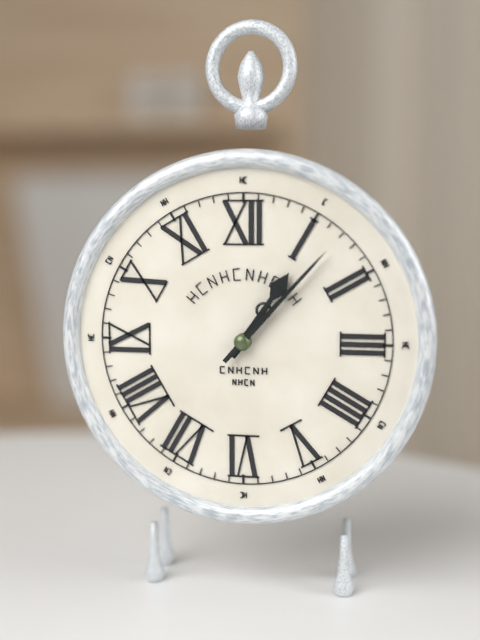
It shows 1.07
